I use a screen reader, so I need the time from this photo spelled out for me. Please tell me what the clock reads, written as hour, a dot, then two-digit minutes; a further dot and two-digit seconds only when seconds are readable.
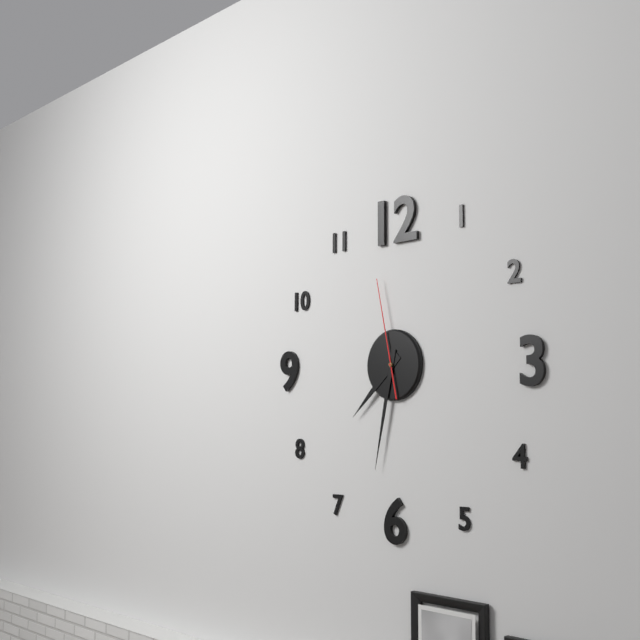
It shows 7.32.58
